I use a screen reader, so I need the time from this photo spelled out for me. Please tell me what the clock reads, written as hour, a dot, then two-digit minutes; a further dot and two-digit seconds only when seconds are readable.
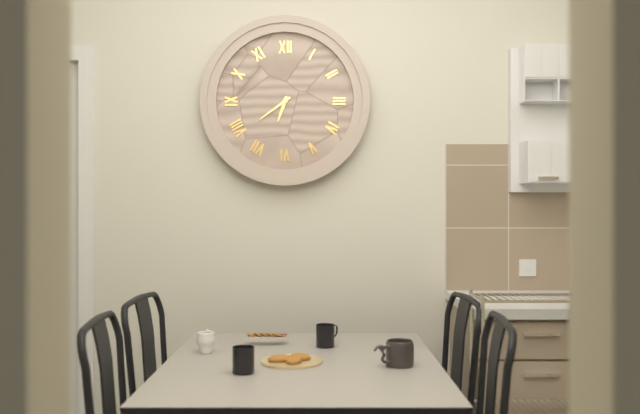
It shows 6.39
